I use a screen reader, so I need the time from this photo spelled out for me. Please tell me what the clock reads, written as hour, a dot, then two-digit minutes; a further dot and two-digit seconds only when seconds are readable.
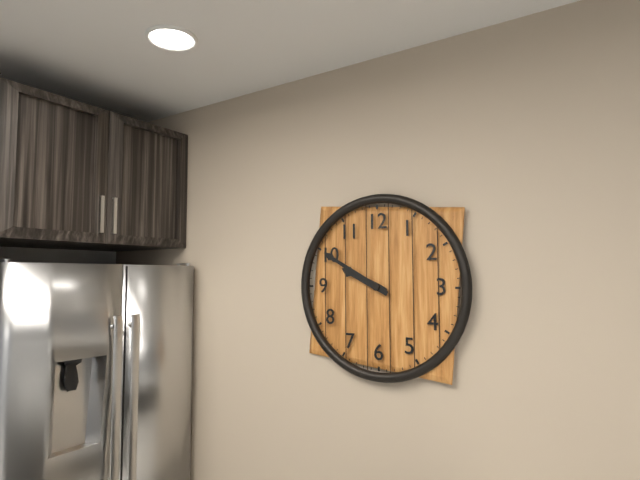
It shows 9.50
